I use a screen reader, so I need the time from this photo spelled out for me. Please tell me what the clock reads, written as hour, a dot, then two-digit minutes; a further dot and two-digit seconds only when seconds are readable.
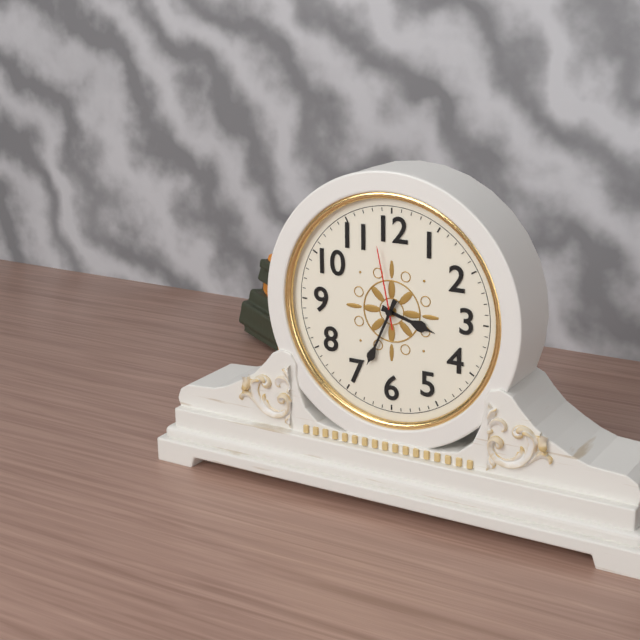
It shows 3.34.58
